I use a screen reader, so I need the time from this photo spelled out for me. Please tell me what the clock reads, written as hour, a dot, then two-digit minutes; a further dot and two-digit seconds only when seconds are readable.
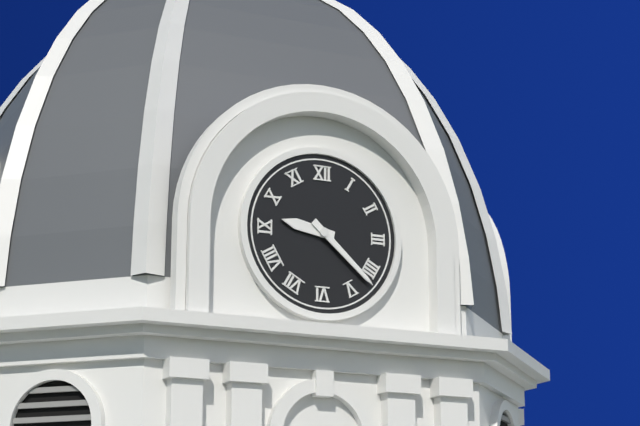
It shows 9.22
